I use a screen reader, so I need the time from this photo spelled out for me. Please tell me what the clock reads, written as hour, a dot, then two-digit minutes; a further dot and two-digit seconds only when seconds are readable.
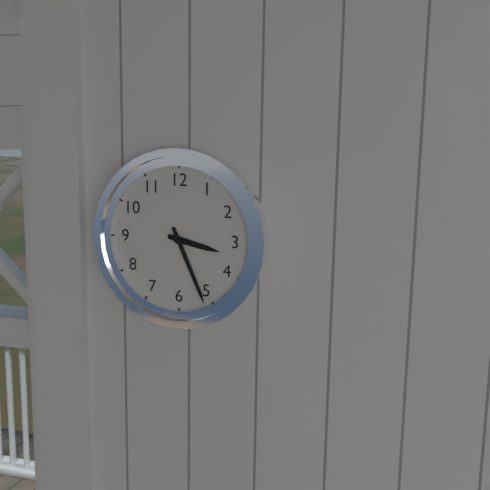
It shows 3.26
